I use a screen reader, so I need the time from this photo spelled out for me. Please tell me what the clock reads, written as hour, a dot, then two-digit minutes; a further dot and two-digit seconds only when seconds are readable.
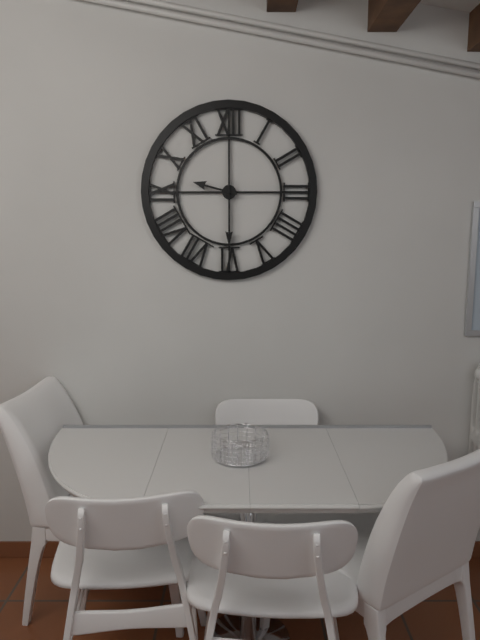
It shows 9.30
